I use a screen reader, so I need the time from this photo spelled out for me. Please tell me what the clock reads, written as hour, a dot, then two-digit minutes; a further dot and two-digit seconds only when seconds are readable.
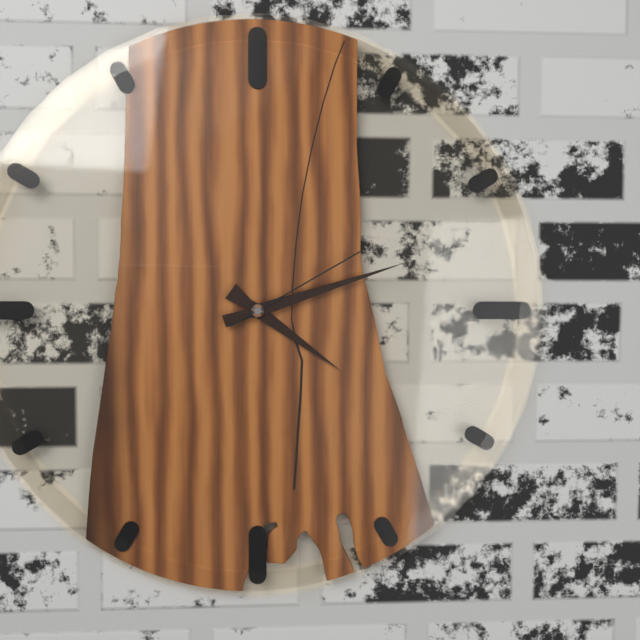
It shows 4.12.10
